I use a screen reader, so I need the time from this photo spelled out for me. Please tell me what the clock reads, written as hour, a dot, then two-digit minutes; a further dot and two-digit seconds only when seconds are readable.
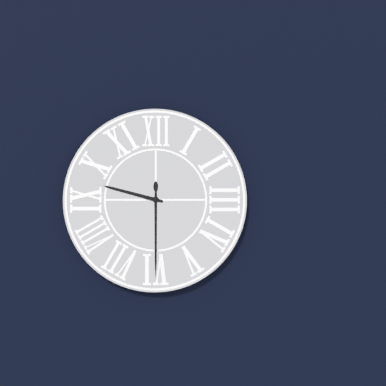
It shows 9.30
